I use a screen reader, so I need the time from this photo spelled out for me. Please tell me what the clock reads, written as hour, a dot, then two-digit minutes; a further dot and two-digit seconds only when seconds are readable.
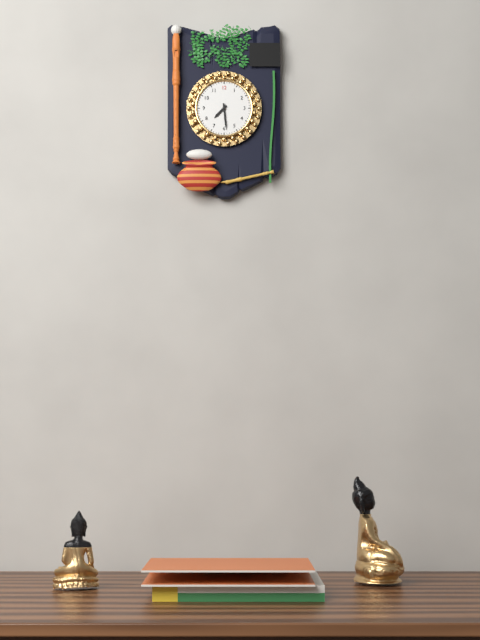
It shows 7.29
